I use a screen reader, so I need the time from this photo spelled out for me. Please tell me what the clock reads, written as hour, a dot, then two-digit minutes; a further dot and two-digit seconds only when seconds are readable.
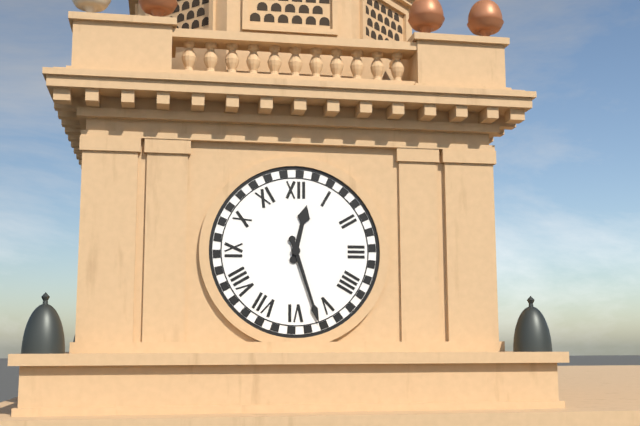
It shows 12.27
